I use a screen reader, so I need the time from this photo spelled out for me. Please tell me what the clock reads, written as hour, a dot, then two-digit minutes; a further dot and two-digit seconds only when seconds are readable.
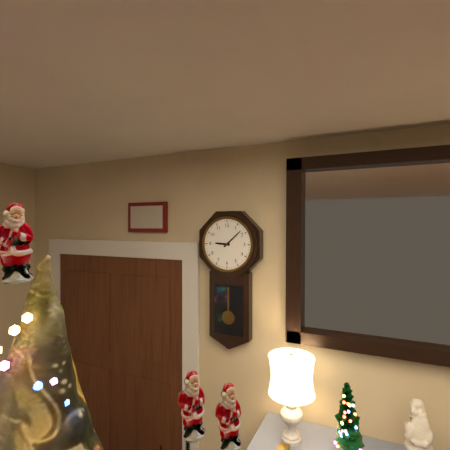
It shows 9.08
